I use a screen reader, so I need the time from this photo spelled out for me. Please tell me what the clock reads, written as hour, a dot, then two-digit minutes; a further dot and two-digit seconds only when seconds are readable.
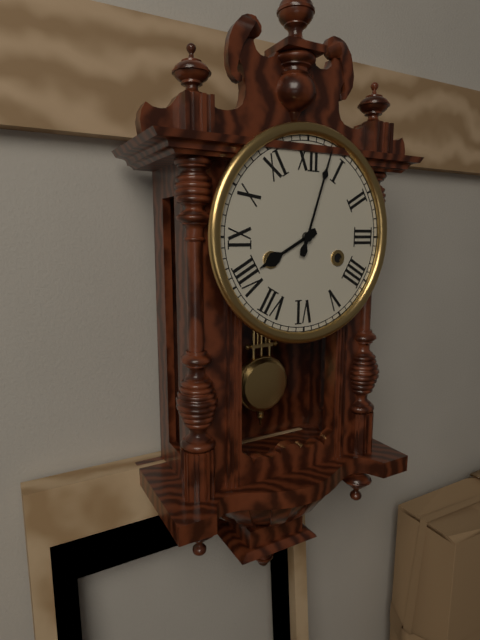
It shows 8.03
